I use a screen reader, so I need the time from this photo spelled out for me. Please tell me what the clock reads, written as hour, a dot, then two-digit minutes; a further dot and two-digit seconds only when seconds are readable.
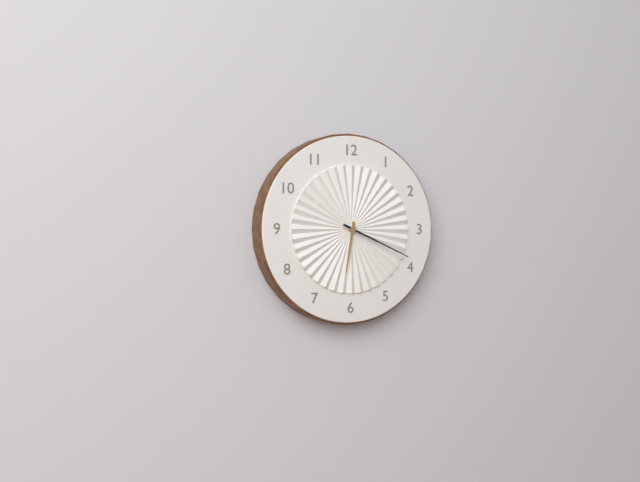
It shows 6.19
